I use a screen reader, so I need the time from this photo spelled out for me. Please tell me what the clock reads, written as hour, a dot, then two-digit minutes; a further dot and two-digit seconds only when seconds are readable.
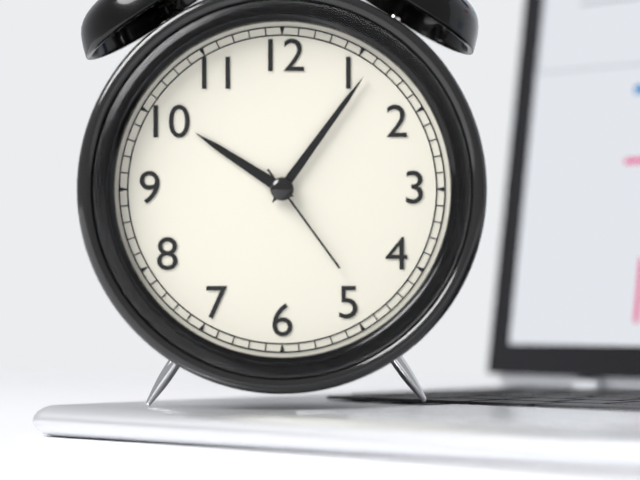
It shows 10.06.24
